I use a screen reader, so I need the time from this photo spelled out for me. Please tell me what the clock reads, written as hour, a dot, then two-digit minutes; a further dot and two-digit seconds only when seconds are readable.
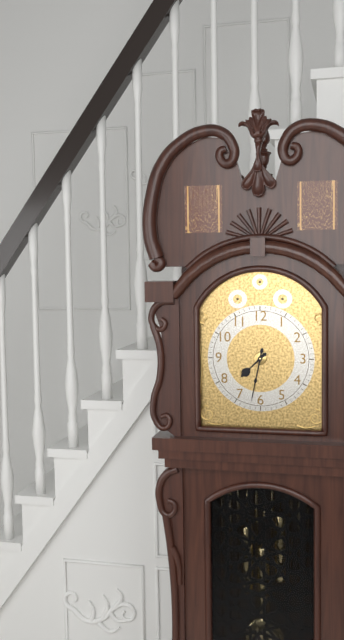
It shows 7.32
